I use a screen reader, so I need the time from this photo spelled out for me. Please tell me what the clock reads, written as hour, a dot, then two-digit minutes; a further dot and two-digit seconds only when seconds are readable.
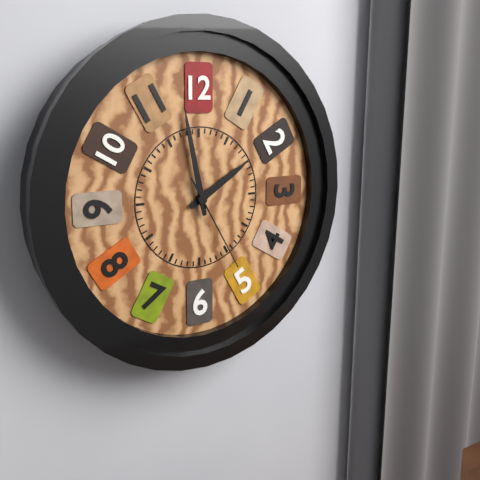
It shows 1.58.25
